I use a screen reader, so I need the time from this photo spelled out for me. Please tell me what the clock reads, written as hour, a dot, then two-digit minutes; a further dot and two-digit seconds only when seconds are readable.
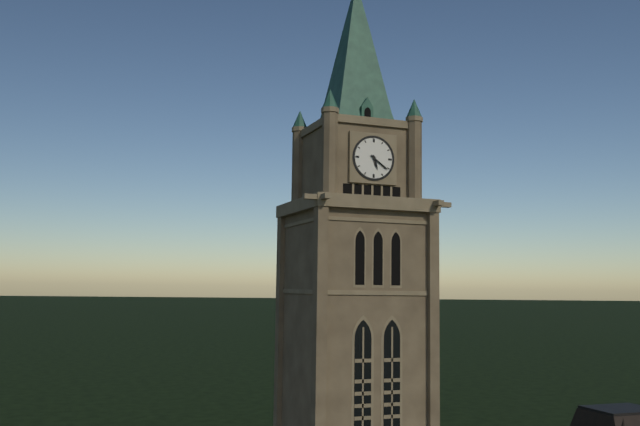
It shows 5.21
